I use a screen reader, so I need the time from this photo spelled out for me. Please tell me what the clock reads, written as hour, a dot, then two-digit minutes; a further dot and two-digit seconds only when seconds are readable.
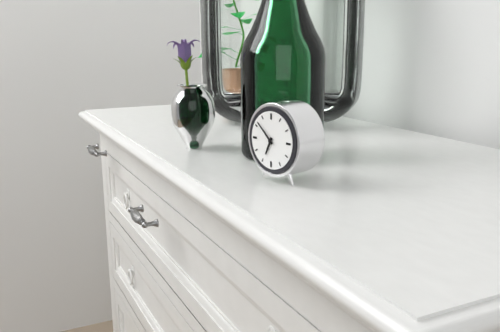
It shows 6.52
